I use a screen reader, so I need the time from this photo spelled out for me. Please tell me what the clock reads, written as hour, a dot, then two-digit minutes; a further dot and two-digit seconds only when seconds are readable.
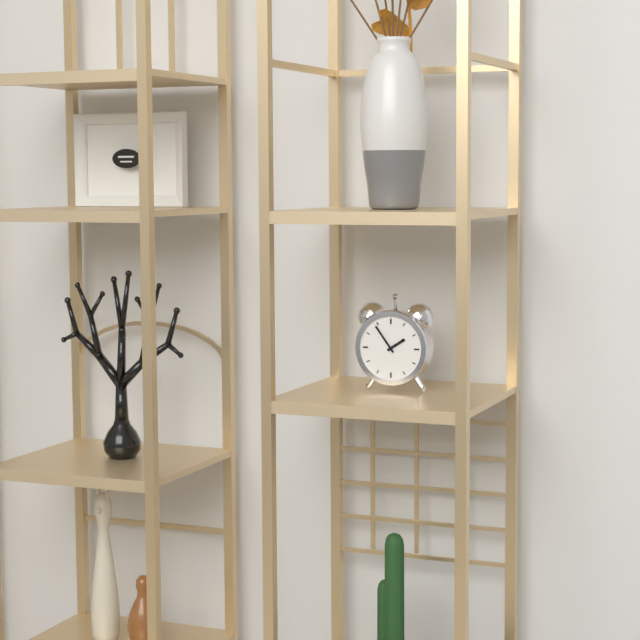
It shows 1.54
